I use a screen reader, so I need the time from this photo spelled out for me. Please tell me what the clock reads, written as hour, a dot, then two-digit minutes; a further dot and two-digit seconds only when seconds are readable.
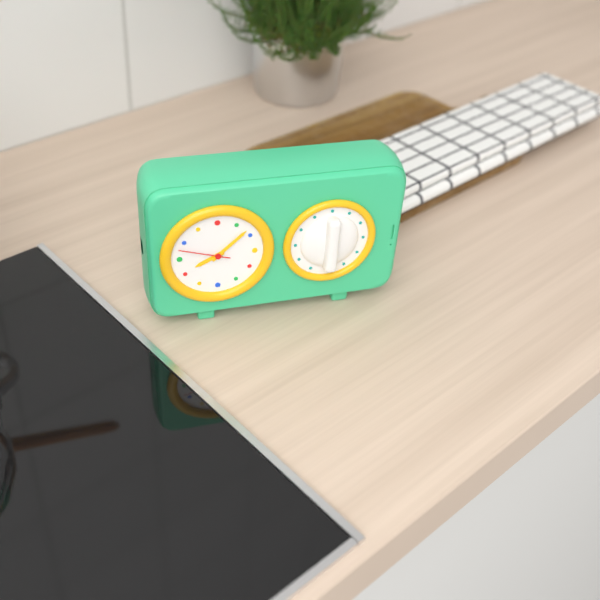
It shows 8.08
